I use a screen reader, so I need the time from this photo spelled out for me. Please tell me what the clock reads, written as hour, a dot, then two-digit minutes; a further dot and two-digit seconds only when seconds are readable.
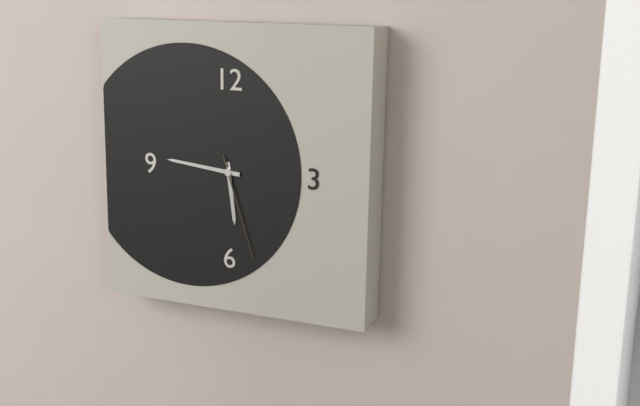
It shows 5.46.27
